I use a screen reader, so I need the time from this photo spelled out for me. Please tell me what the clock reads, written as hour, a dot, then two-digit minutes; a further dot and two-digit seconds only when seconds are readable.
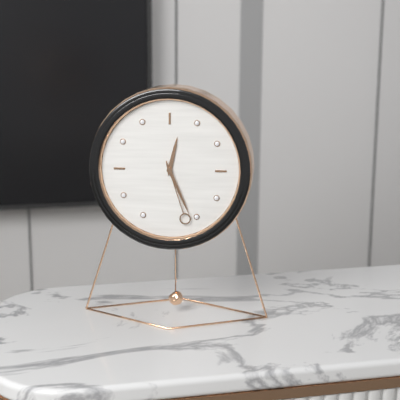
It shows 12.26.27
